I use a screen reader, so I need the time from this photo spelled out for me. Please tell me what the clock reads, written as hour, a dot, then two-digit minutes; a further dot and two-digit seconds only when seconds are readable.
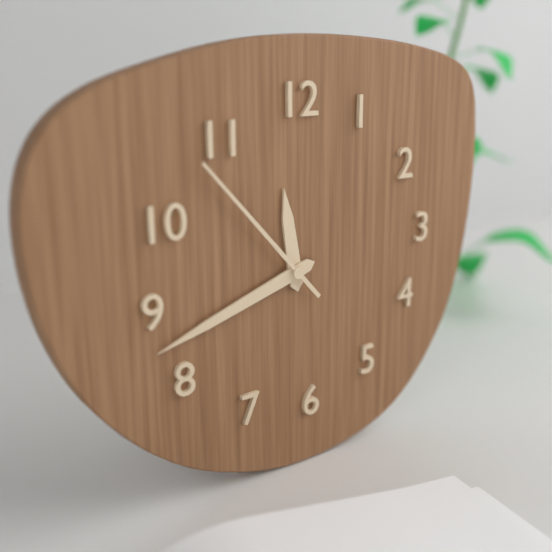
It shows 11.42.53
